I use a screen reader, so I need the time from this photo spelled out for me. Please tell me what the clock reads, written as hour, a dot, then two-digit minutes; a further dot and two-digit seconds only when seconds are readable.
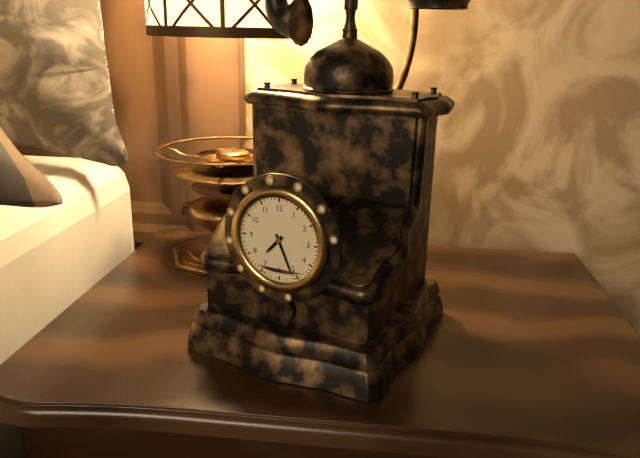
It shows 7.26
